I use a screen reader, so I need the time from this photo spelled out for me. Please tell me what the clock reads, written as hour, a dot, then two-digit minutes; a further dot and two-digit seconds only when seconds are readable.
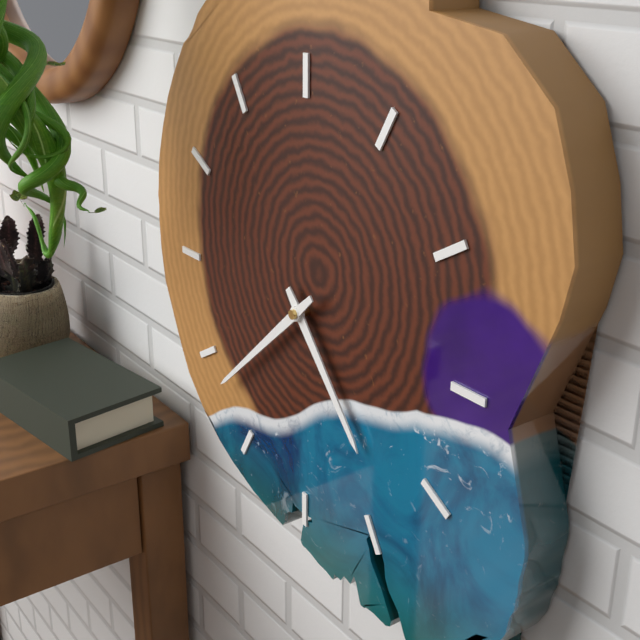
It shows 4.38
